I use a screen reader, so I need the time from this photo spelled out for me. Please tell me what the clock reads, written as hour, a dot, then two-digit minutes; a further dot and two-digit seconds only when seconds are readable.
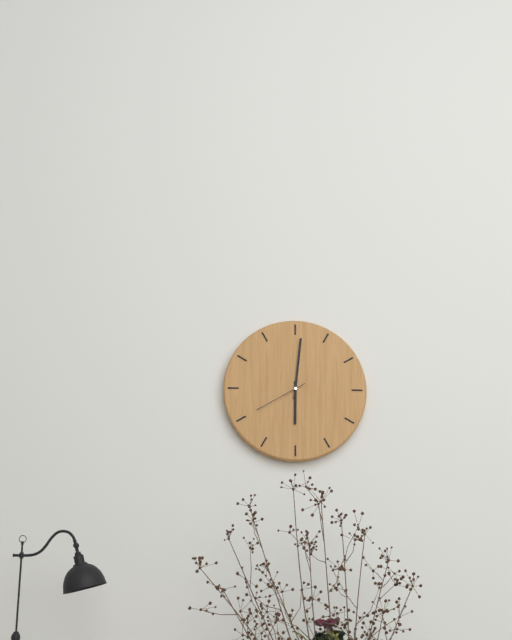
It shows 6.01.40
